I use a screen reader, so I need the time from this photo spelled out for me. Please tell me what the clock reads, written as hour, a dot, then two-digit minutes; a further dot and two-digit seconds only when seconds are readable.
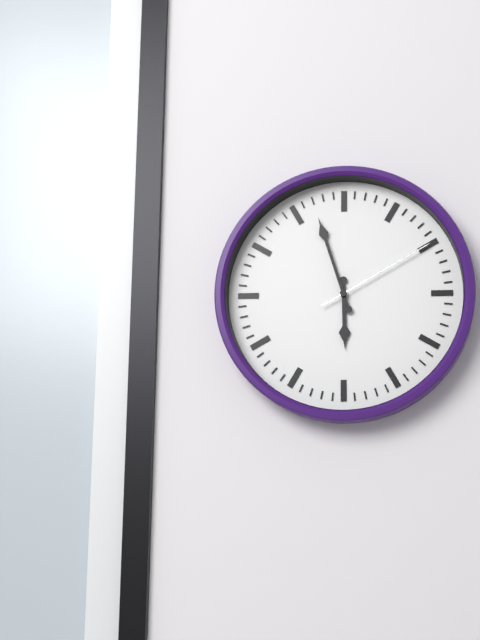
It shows 5.57.10
